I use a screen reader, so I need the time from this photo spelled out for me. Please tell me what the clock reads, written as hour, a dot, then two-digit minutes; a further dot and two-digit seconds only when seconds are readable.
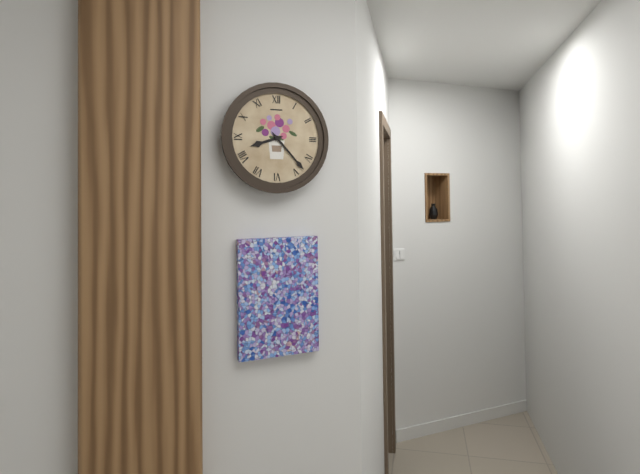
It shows 8.23
